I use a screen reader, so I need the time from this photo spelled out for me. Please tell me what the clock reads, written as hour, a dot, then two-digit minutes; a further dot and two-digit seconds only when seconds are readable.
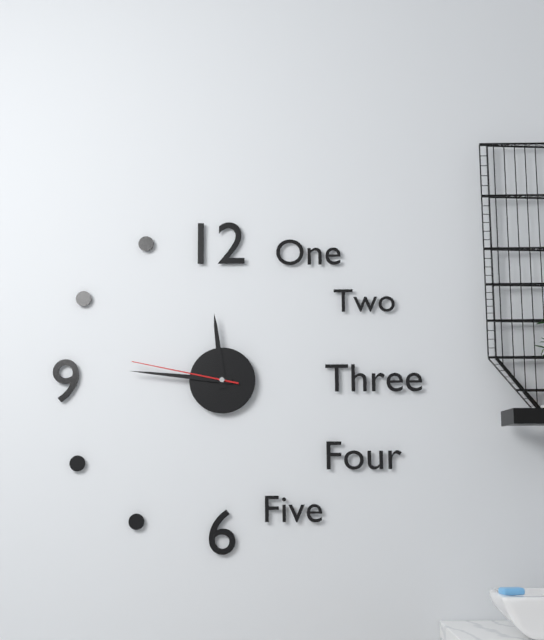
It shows 11.46.47
